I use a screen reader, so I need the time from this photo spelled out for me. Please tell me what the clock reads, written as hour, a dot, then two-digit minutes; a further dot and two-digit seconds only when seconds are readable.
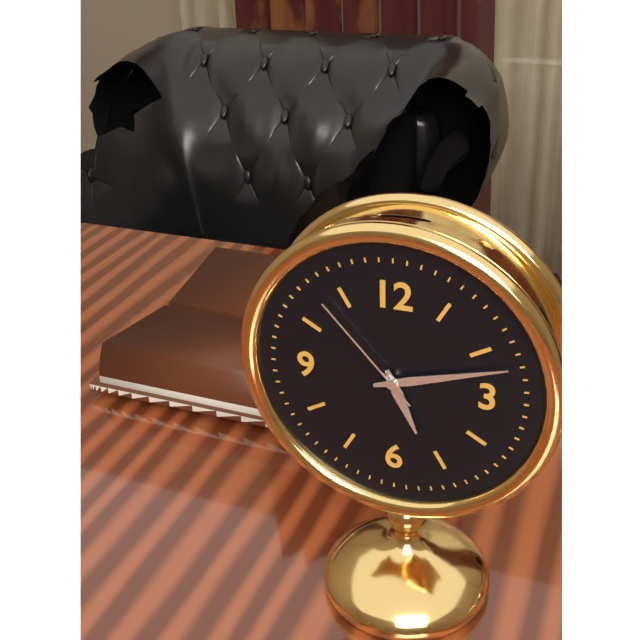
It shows 5.12.53
